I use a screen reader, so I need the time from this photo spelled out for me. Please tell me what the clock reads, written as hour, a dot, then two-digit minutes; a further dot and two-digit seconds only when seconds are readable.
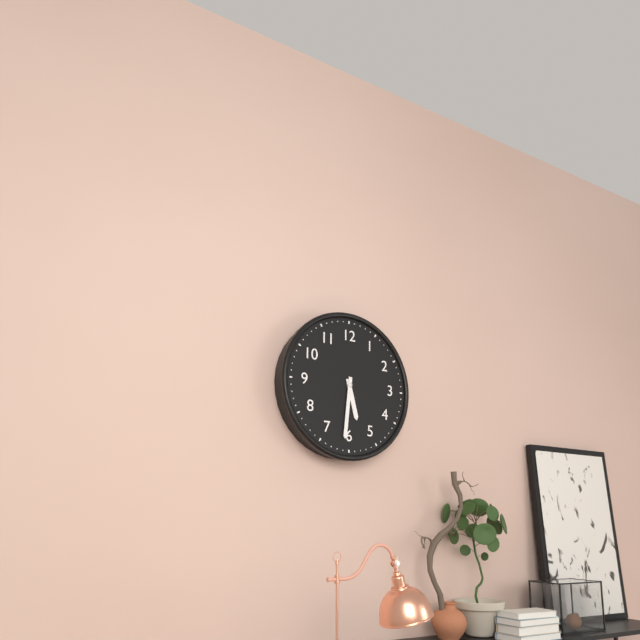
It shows 5.31
